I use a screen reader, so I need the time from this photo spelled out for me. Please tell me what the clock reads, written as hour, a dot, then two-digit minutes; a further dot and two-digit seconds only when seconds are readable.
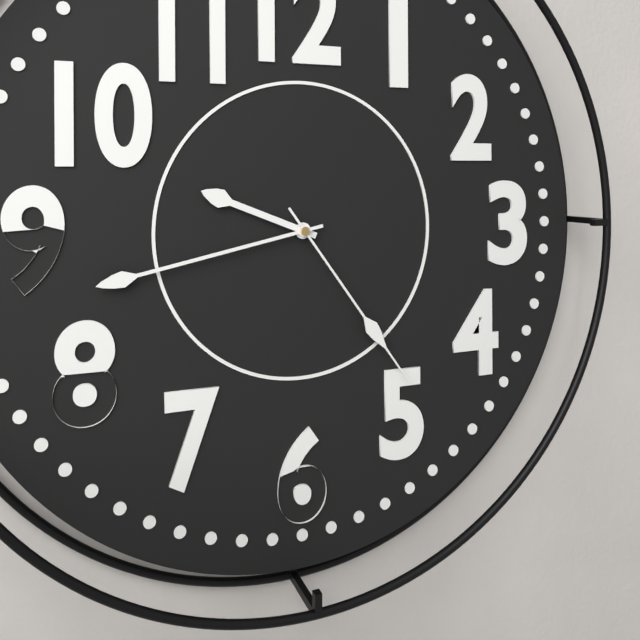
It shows 9.43.24
